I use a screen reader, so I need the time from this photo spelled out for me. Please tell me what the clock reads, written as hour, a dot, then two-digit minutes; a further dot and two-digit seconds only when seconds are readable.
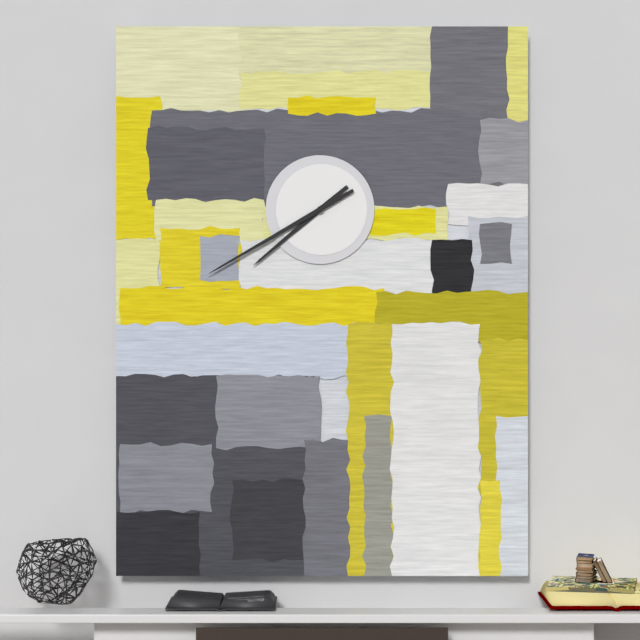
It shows 7.40
